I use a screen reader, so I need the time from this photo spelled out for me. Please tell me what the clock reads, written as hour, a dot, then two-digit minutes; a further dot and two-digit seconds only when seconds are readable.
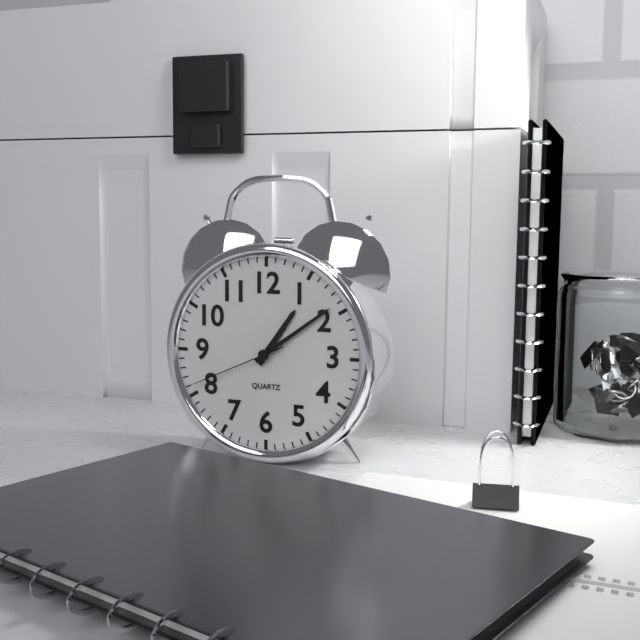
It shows 1.09.41
